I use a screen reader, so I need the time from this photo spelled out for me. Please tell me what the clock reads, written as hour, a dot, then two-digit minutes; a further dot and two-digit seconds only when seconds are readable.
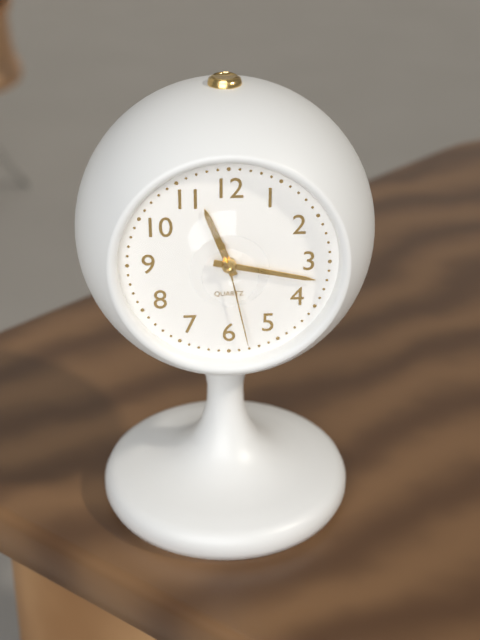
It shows 11.17.28
